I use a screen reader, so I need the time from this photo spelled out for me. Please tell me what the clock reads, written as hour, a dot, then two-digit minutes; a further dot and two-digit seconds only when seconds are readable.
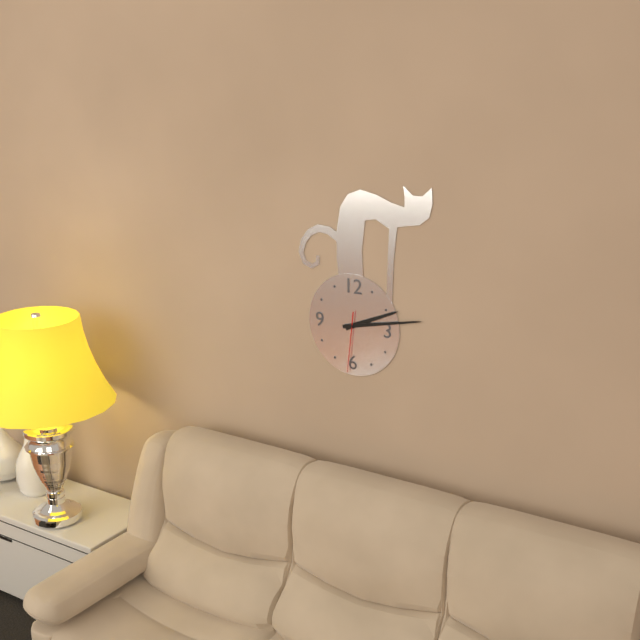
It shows 2.13.31
